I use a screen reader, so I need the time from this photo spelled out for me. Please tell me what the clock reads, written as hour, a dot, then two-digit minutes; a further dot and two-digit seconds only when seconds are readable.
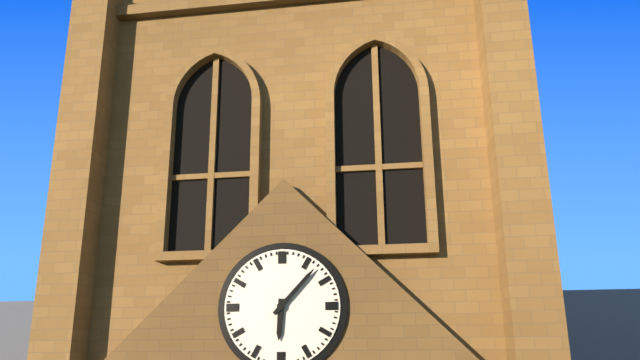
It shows 6.07
